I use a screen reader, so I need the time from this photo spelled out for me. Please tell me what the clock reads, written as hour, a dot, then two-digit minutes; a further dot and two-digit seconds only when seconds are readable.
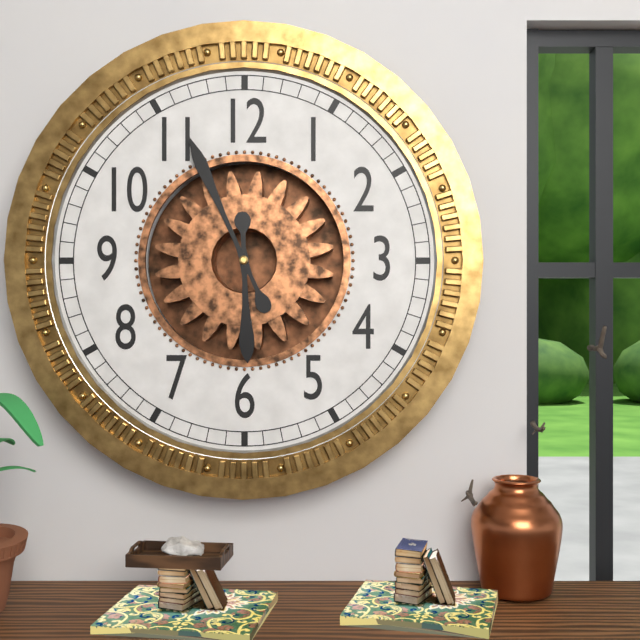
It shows 5.56
